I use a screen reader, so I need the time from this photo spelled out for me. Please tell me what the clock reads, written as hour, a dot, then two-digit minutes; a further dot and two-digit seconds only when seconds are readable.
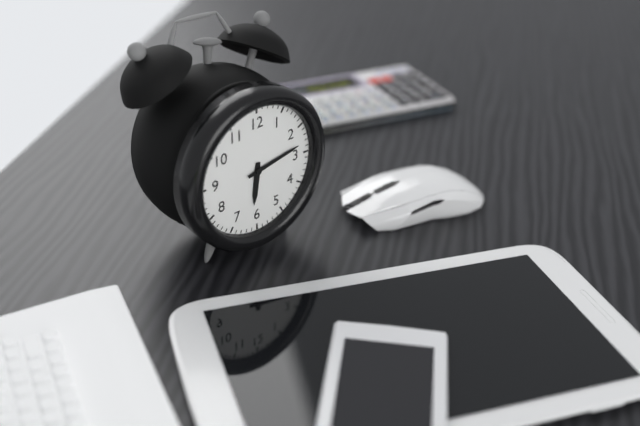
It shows 6.13
